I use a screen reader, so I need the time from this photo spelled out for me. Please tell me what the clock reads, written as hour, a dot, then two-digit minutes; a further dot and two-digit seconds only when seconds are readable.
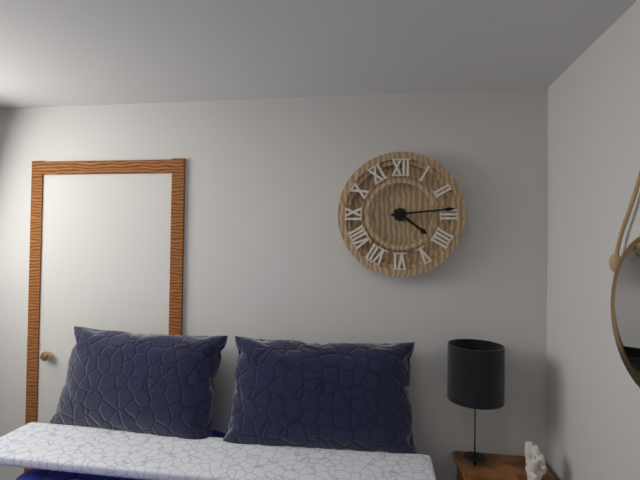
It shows 4.14
